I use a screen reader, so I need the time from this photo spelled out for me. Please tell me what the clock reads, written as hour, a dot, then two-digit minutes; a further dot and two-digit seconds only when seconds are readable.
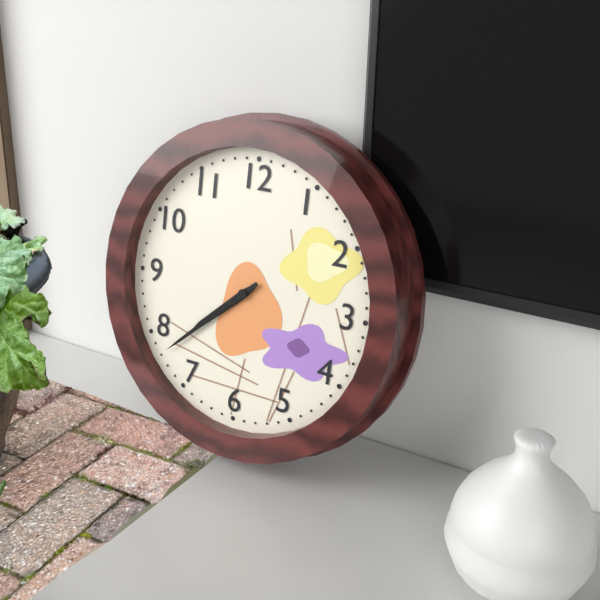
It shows 7.38
